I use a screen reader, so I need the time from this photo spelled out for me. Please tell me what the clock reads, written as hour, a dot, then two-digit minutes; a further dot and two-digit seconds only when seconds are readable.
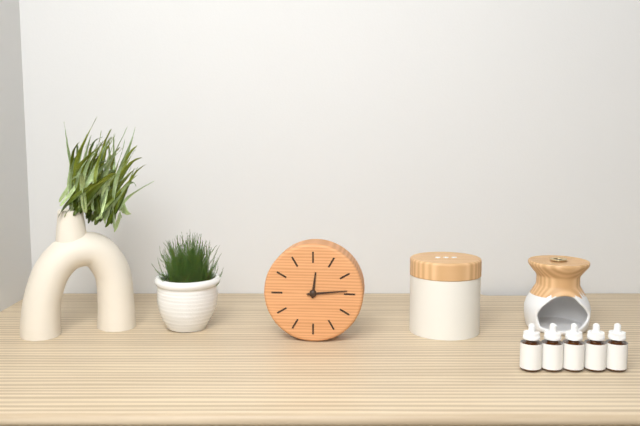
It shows 12.14
